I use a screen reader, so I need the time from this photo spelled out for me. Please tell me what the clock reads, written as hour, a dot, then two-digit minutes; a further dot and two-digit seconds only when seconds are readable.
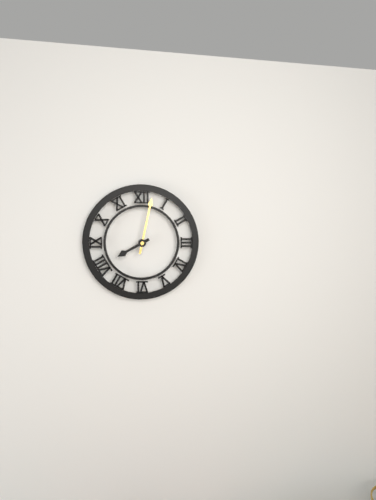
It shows 8.02
